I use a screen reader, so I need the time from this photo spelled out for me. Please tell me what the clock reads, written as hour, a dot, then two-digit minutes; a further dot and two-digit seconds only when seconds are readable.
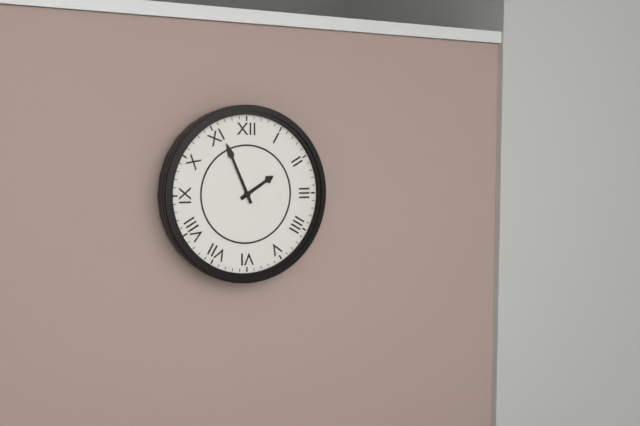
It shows 1.56
